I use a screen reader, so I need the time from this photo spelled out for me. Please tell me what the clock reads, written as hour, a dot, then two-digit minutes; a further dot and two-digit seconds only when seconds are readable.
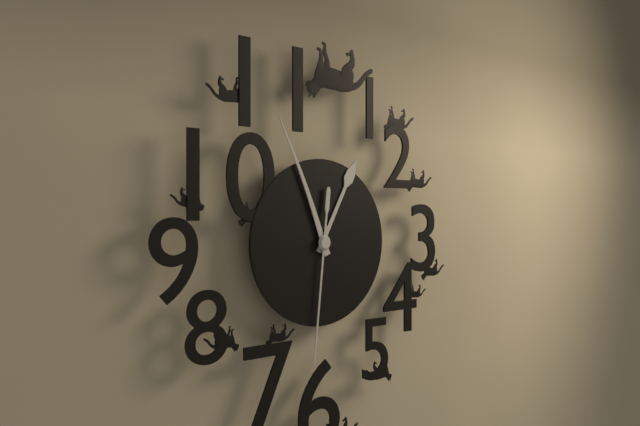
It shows 12.56.31
